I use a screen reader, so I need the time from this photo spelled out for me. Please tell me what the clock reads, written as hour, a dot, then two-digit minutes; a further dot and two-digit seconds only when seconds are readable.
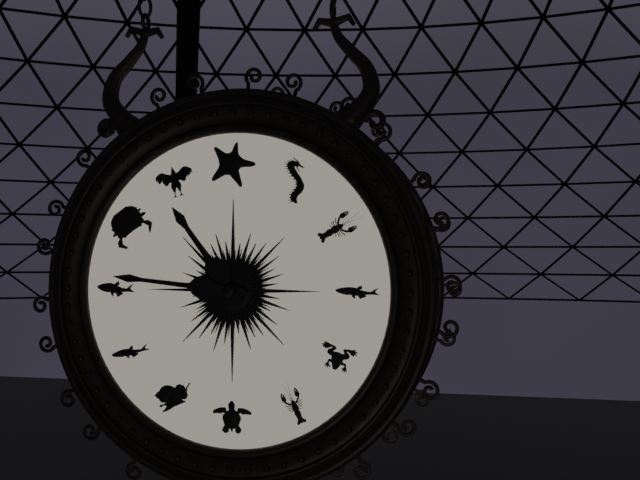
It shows 10.46
